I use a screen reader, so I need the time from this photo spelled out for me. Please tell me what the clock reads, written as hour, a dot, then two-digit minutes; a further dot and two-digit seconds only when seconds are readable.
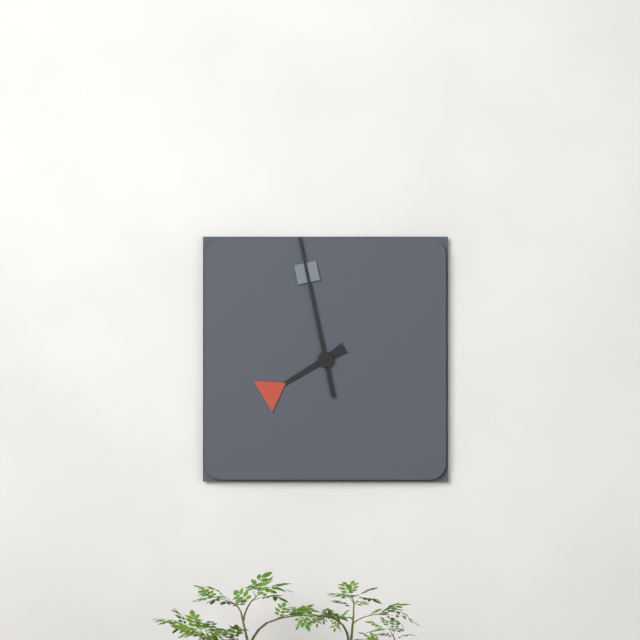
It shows 7.58
